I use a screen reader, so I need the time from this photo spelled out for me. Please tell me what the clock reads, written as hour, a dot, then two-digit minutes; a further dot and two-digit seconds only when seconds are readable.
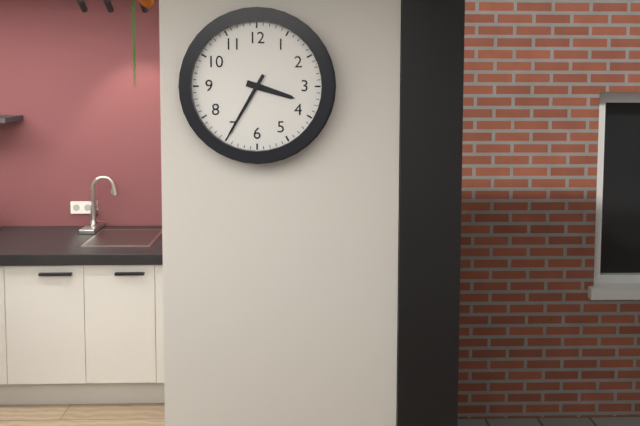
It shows 3.35
